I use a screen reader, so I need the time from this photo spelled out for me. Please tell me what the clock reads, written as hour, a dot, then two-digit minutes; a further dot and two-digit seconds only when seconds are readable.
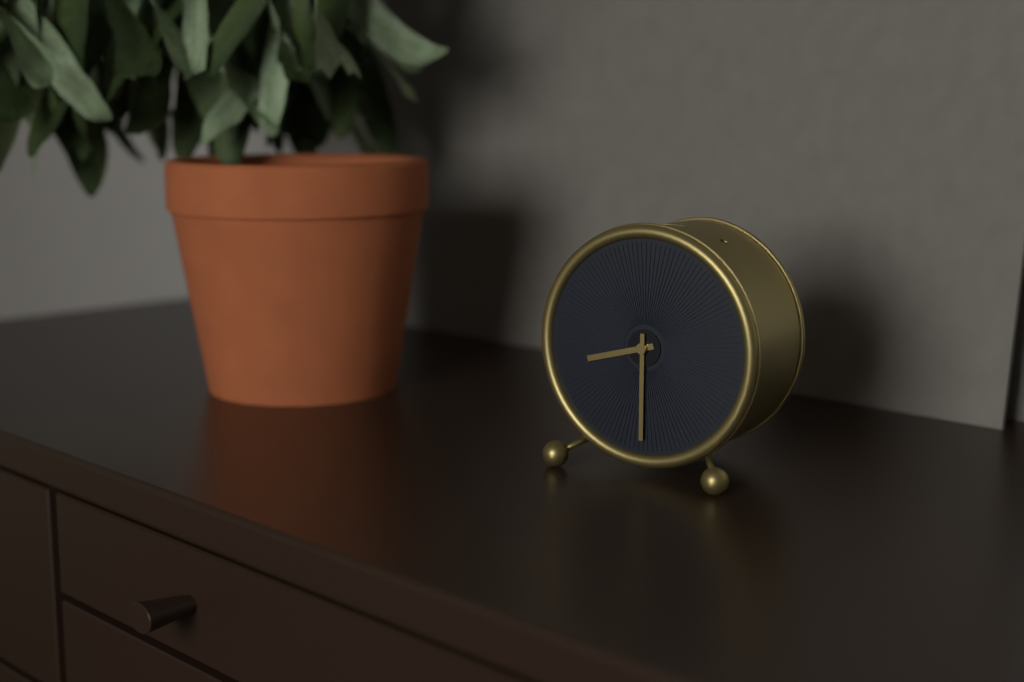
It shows 8.30
